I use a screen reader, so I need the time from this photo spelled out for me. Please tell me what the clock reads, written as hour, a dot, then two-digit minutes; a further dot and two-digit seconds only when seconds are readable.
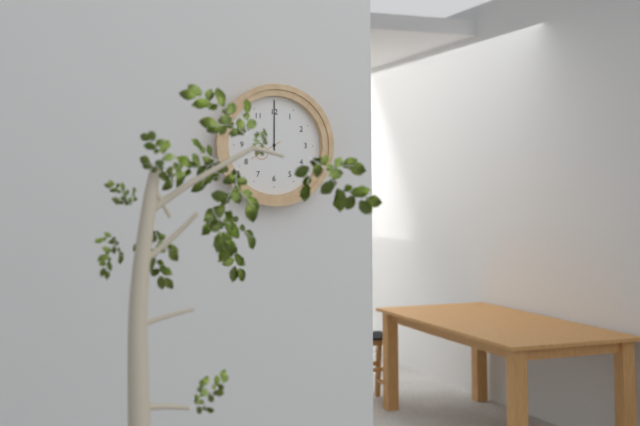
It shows 8.00
